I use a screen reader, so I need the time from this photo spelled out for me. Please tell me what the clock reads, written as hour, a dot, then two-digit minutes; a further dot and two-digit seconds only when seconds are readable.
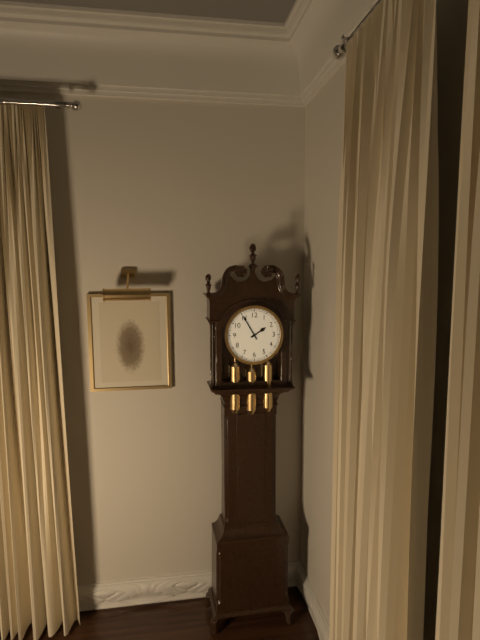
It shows 1.55
